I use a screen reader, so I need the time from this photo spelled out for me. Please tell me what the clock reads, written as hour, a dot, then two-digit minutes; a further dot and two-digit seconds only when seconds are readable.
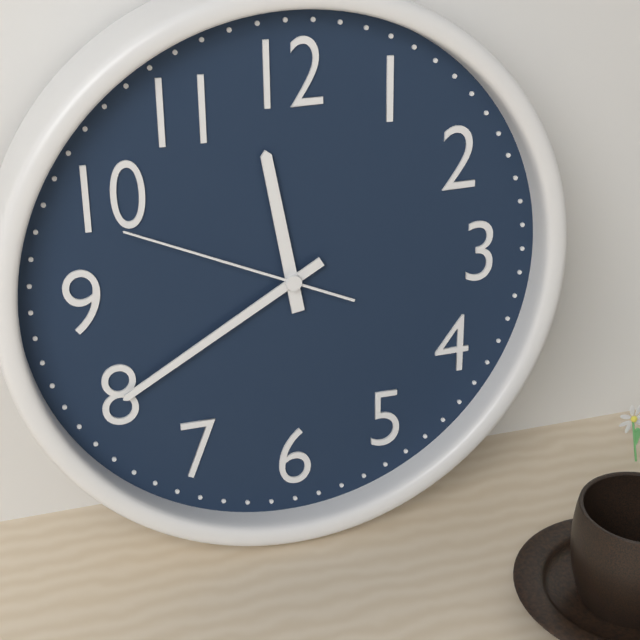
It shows 11.40.49
